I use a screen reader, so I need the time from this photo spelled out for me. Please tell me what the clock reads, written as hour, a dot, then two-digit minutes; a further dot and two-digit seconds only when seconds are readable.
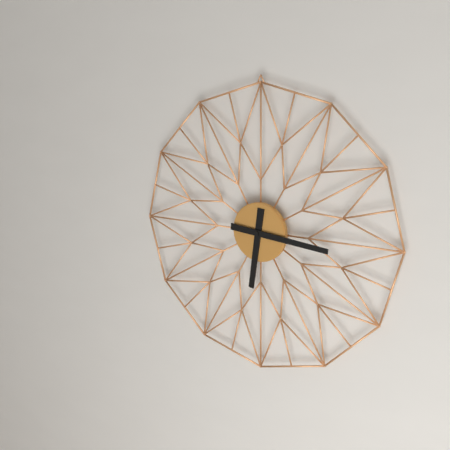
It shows 6.16
